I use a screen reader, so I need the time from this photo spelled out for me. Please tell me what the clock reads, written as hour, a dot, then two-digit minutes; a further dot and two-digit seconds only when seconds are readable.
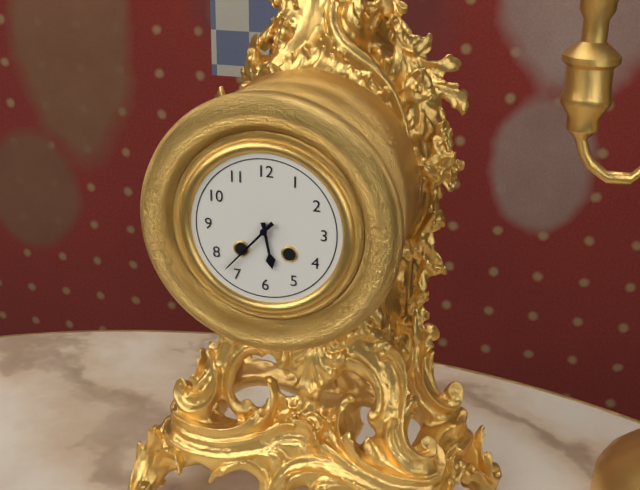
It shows 5.37
